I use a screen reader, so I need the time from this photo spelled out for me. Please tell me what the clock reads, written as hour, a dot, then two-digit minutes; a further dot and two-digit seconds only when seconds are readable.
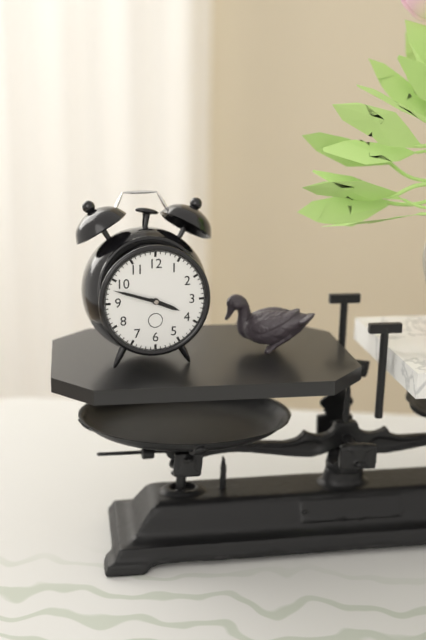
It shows 3.48
